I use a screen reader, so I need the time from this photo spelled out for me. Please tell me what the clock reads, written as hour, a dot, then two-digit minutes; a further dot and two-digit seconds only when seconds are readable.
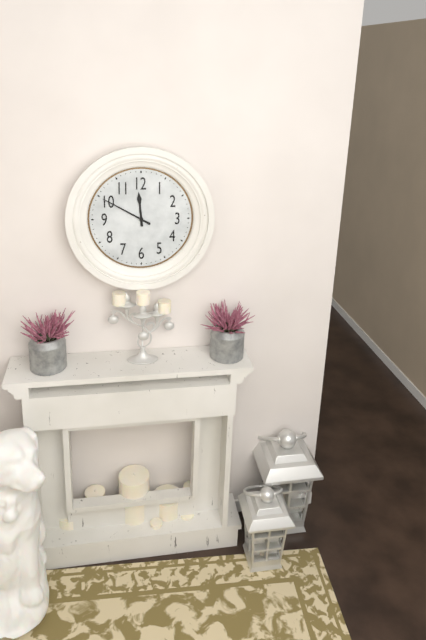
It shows 11.50
